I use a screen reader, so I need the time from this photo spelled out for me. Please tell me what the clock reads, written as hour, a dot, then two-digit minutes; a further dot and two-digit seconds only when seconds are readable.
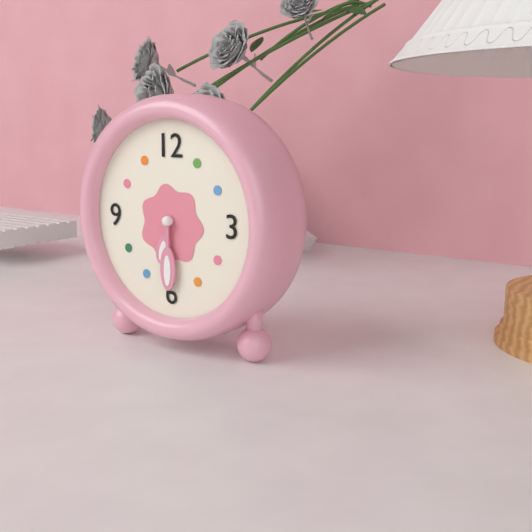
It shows 6.30
